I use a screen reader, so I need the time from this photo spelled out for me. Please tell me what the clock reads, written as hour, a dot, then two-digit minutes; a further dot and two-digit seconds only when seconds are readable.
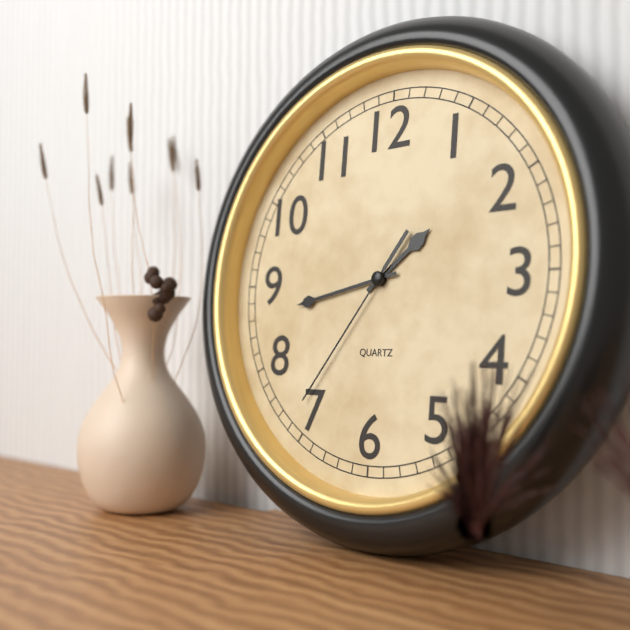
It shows 1.43.36
